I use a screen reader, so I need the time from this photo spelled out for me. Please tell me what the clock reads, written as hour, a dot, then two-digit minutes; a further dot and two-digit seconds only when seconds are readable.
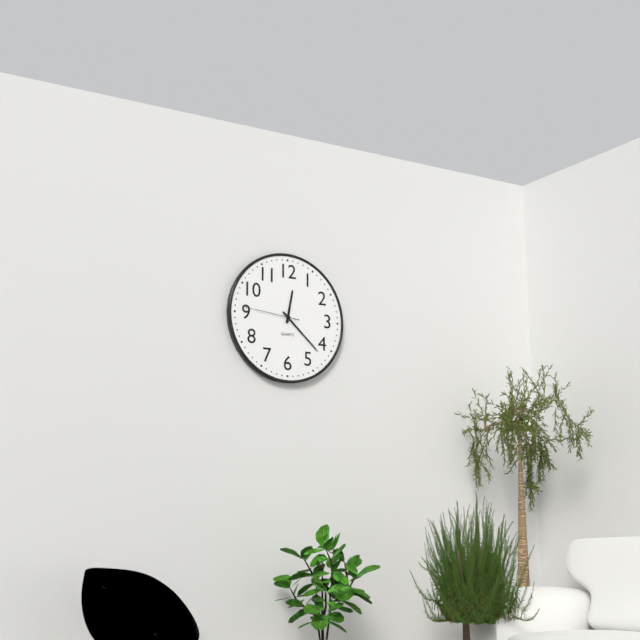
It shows 12.22.46
